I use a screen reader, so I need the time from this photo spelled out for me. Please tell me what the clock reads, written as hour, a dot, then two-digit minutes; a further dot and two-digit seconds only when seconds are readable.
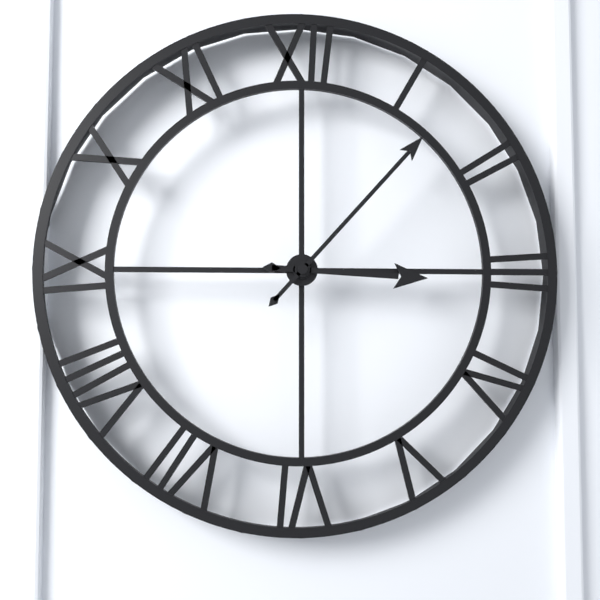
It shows 3.07
